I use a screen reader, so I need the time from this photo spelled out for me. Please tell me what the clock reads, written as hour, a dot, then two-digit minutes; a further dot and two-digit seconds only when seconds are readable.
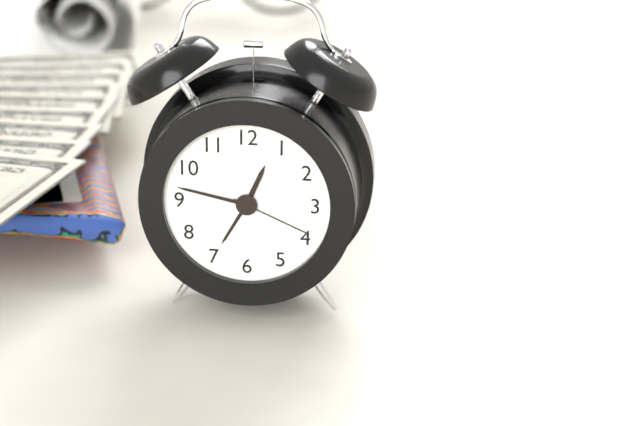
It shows 12.47.19
